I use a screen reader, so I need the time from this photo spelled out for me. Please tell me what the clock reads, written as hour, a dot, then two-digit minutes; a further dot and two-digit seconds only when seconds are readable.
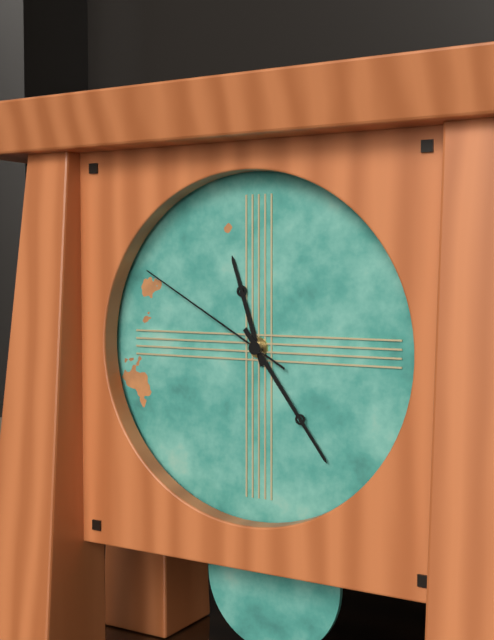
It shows 11.24.50
